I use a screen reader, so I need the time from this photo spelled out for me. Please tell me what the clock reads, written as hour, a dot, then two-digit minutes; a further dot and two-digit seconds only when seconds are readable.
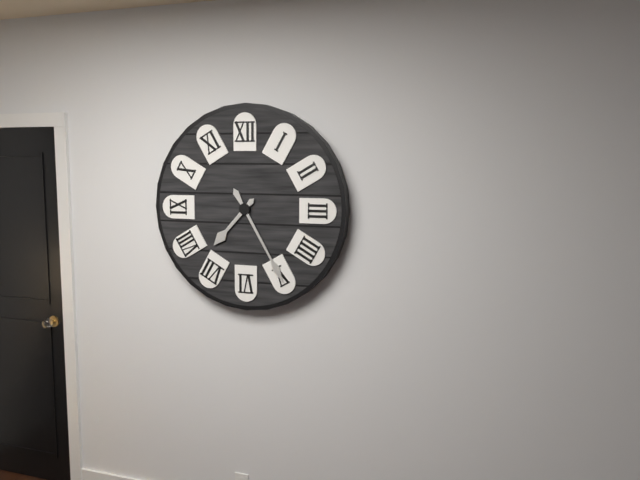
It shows 7.25
